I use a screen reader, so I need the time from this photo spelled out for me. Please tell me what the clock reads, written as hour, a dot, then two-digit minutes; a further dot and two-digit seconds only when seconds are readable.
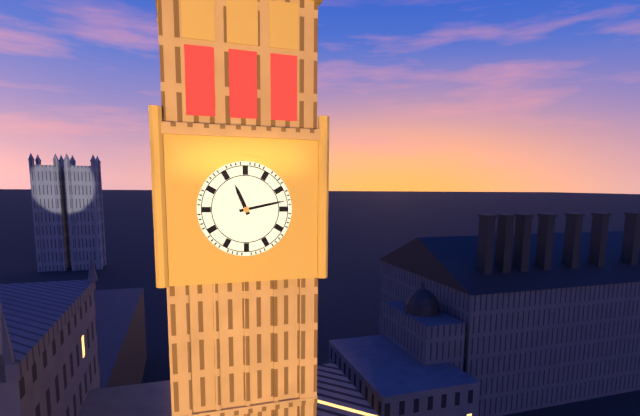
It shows 11.13
